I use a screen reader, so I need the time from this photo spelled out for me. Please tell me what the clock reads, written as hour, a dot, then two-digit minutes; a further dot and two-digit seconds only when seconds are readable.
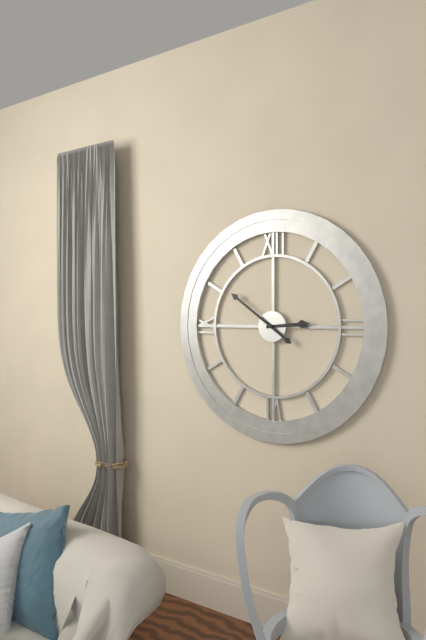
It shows 2.51
